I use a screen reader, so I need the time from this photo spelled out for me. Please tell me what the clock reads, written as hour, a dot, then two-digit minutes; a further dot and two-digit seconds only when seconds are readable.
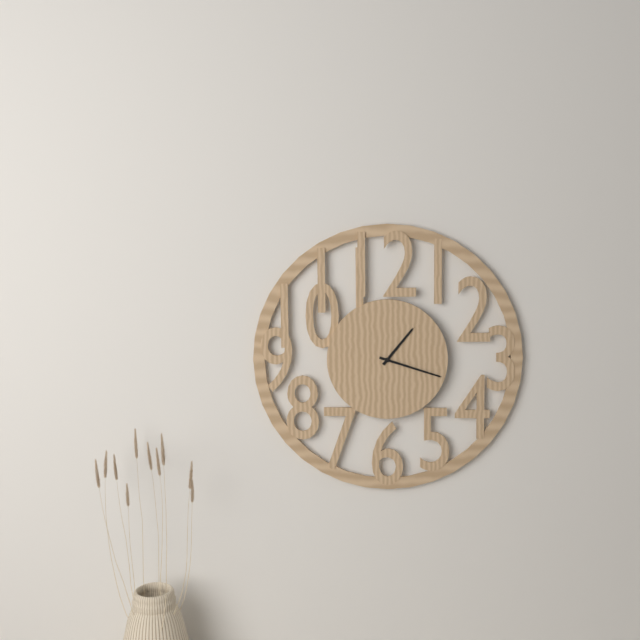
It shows 1.18
